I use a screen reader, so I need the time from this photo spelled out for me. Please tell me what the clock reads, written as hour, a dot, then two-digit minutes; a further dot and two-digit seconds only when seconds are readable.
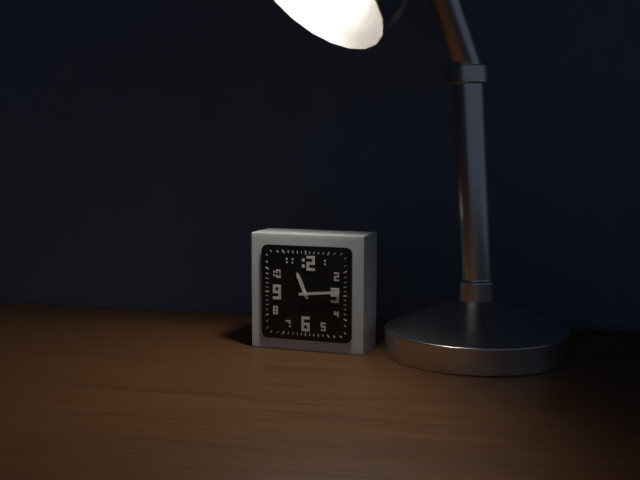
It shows 11.14
